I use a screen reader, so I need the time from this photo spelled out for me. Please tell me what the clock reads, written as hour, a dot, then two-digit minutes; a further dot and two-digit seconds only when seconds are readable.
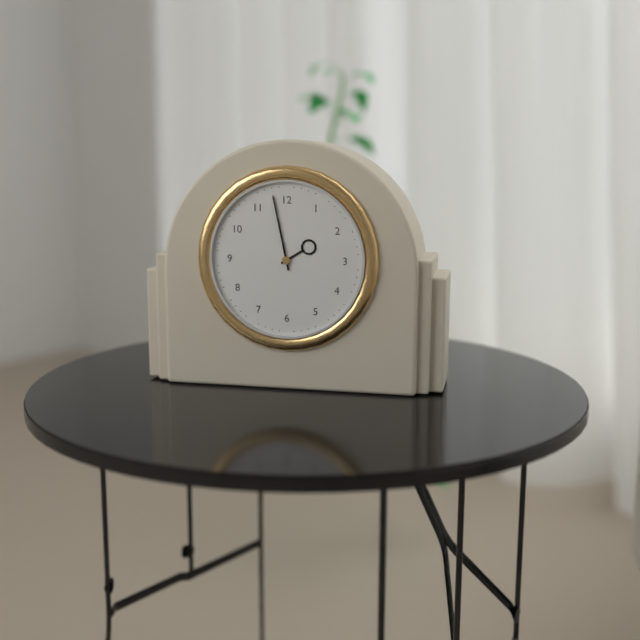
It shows 1.58
